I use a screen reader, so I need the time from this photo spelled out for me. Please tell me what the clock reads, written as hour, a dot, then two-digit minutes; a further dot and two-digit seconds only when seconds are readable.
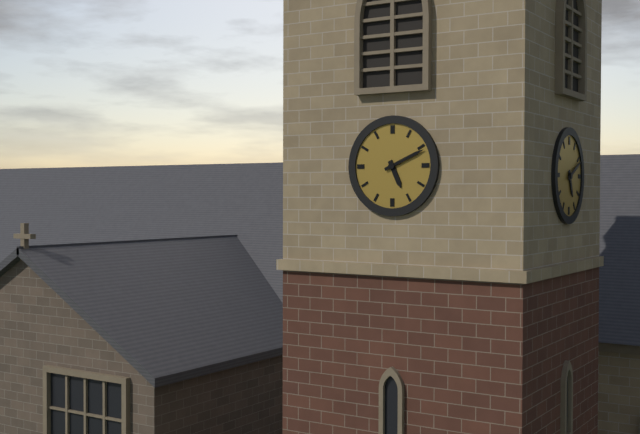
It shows 5.11
